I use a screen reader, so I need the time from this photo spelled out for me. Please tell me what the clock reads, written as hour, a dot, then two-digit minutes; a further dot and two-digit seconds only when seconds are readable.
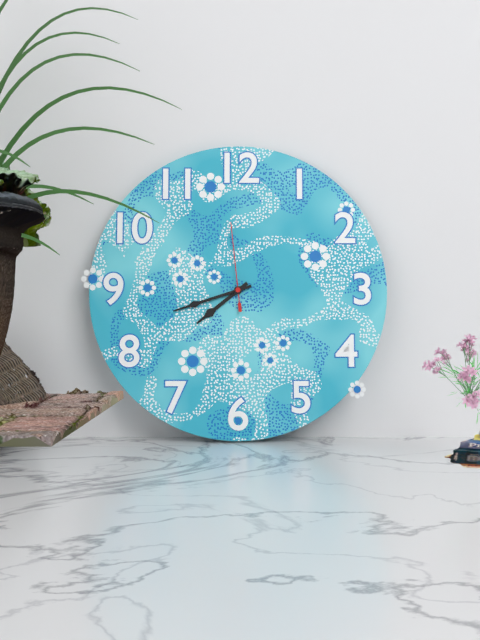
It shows 7.42.59
